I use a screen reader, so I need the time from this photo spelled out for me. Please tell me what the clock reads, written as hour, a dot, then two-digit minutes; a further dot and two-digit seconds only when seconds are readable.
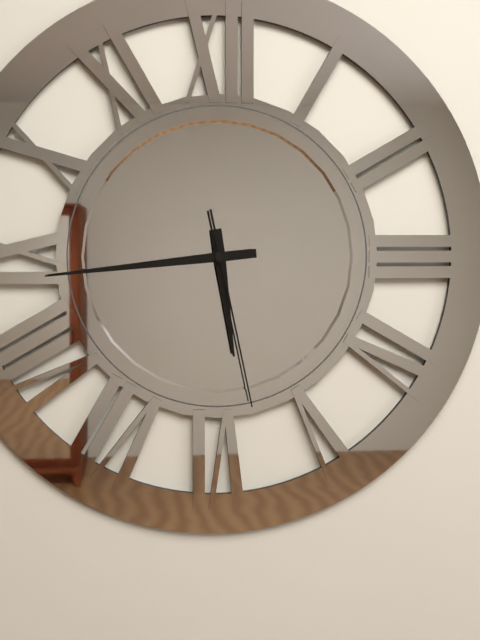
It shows 5.44.28
